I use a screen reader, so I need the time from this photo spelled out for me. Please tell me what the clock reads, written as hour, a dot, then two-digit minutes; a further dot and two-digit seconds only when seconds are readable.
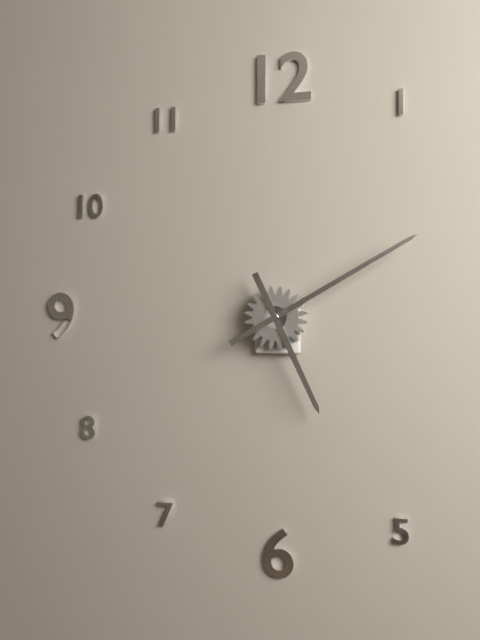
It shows 5.10
